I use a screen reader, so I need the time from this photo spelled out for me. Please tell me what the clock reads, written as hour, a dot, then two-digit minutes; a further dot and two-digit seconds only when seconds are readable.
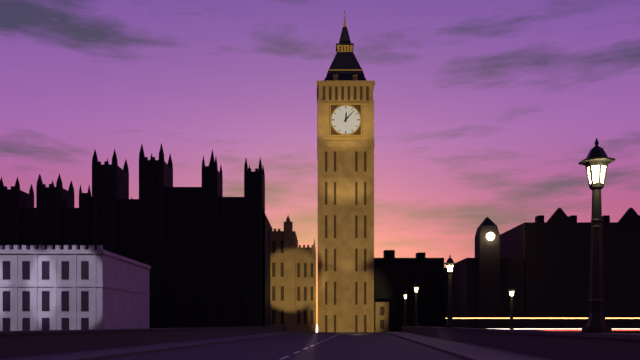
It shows 12.07
